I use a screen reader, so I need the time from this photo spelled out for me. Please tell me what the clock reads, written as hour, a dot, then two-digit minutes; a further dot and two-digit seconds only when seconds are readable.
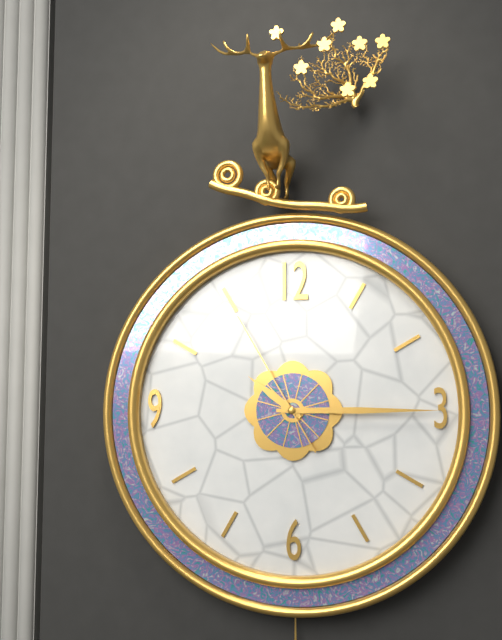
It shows 10.15.55
